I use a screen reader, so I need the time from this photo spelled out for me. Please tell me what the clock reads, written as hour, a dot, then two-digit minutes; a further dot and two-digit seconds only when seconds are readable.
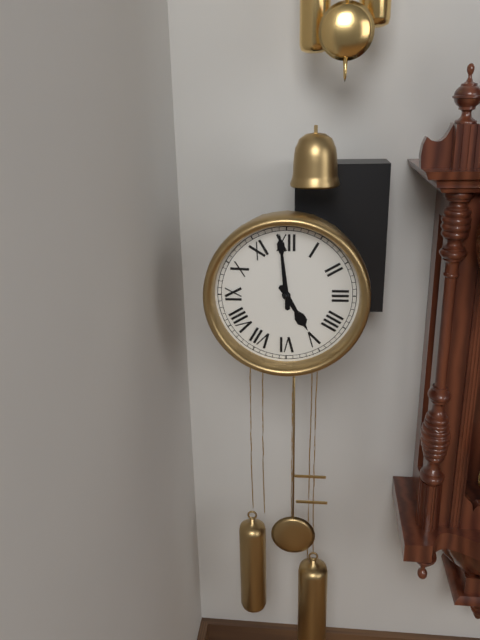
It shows 4.59
